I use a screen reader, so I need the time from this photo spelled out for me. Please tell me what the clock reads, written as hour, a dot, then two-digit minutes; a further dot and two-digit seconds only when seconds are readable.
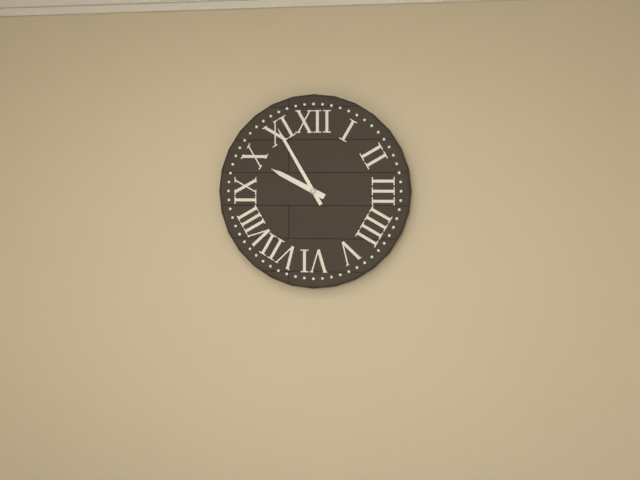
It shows 9.55
